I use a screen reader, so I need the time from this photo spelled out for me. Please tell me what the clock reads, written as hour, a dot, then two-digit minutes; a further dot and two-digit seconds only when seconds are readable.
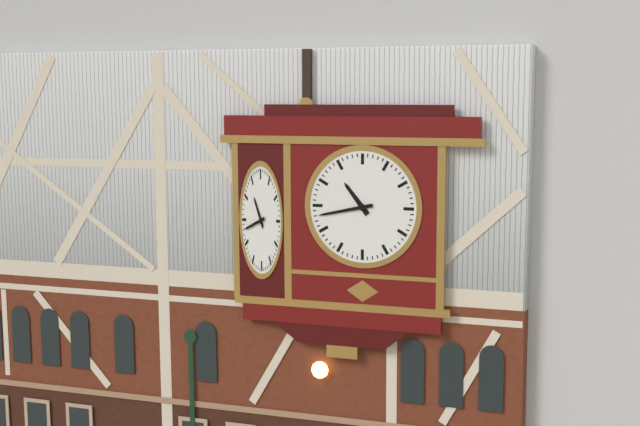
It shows 10.43
